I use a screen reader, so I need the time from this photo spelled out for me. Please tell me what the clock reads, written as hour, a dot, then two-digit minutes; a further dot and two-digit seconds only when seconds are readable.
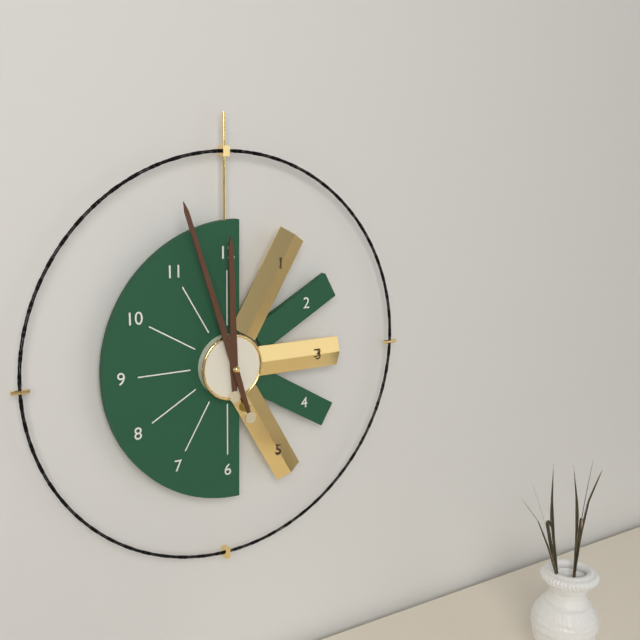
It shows 11.57
